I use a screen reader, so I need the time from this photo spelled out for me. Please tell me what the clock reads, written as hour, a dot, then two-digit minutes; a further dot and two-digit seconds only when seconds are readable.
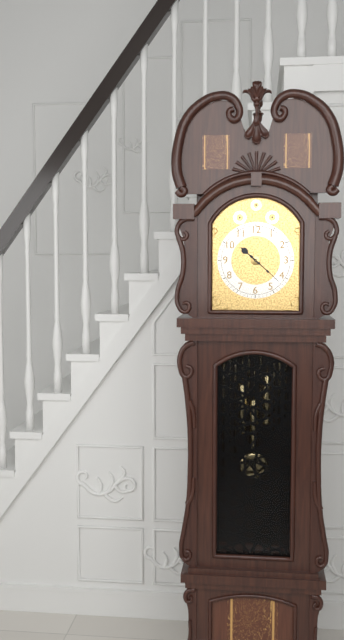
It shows 10.22
